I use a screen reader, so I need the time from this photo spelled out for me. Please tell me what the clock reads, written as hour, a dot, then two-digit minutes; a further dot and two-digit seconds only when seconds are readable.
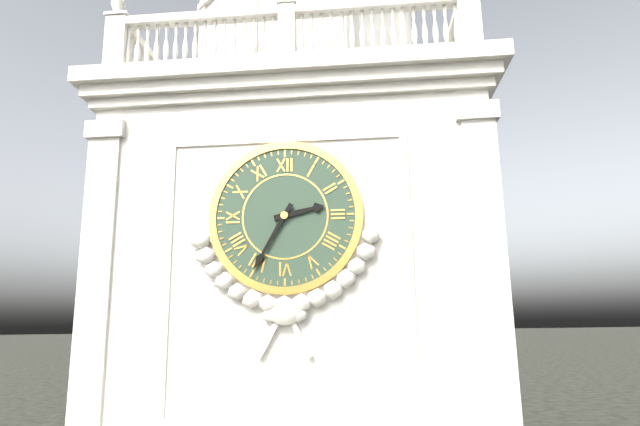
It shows 2.35
